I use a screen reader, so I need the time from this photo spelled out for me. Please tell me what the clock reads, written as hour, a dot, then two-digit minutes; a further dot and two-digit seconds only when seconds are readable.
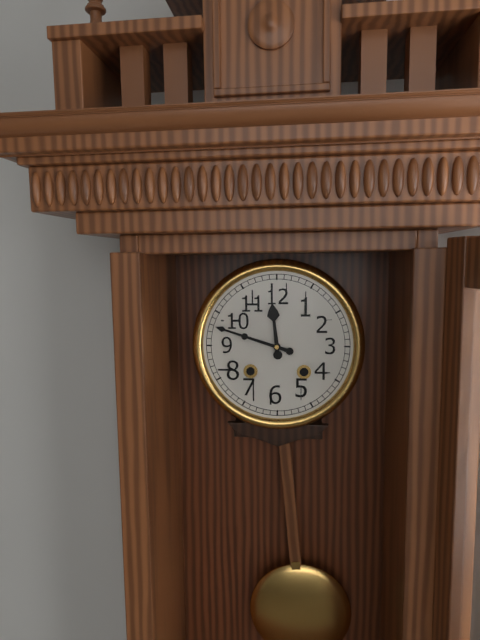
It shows 11.48
